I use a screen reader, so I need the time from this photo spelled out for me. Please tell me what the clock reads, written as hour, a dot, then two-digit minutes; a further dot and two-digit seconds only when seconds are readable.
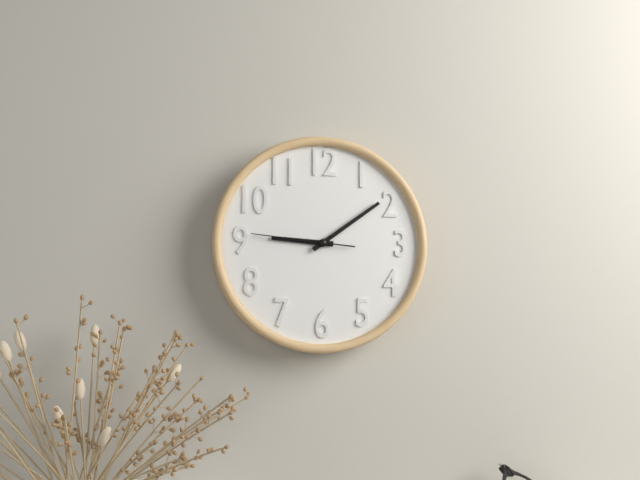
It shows 9.09.46
